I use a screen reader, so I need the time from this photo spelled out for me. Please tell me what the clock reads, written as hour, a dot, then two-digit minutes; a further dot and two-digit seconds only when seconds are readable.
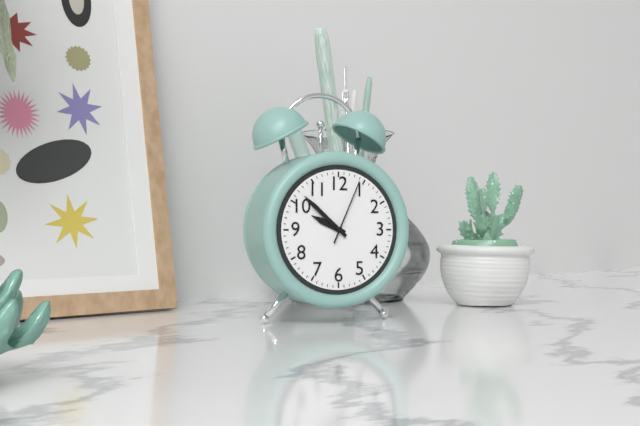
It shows 9.52.04
